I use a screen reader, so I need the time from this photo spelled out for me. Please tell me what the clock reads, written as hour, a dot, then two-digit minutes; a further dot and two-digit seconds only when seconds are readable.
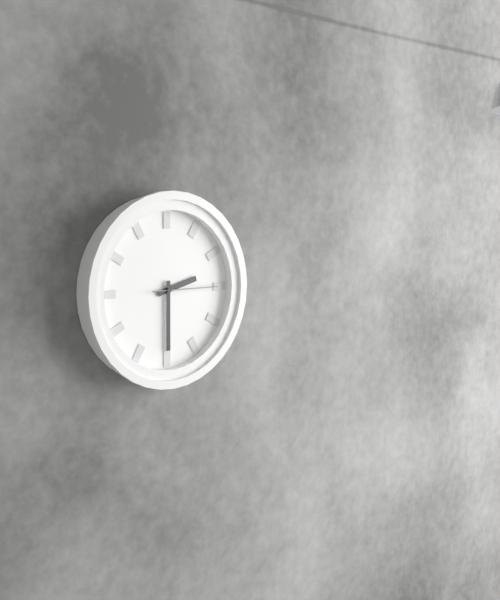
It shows 2.30.15
